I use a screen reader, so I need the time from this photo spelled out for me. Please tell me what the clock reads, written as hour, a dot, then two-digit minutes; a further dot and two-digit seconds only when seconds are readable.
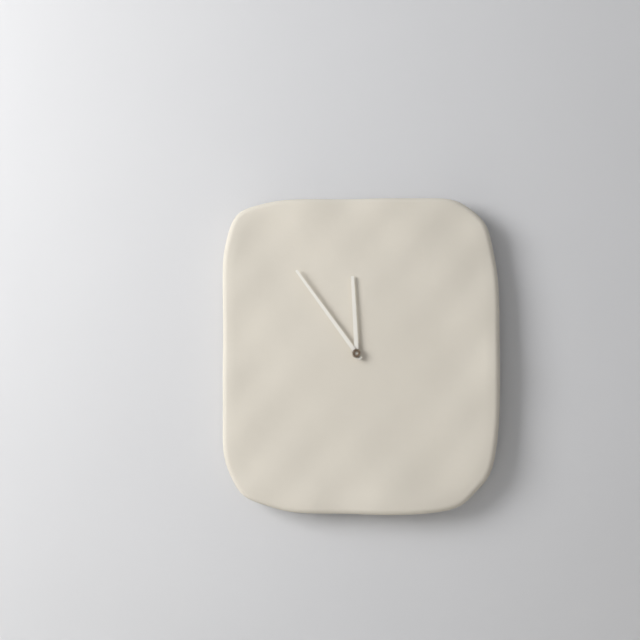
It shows 11.54
